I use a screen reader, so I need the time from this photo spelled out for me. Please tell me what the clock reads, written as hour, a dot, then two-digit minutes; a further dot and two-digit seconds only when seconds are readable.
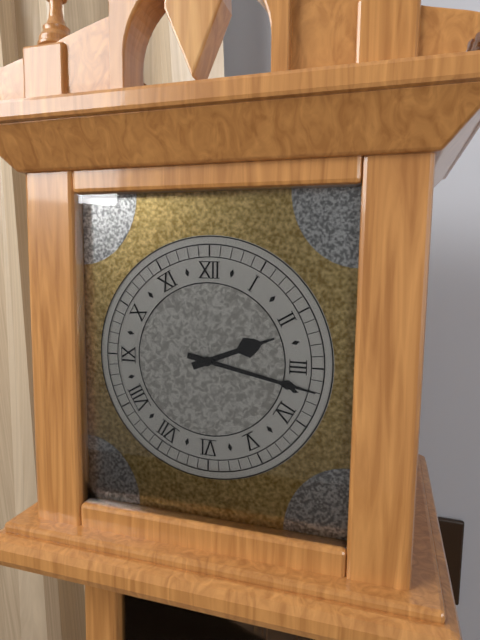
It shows 2.17
